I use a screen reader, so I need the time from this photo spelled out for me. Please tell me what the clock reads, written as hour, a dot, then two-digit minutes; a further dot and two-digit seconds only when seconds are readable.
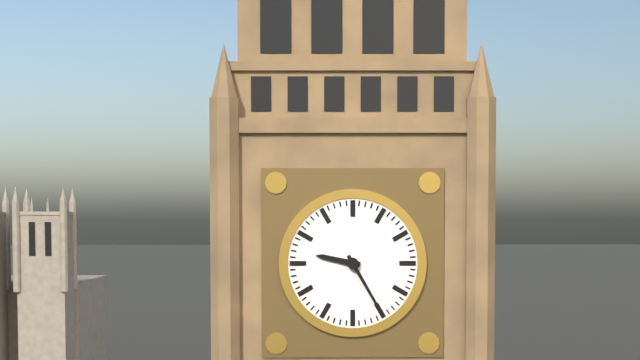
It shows 9.25
